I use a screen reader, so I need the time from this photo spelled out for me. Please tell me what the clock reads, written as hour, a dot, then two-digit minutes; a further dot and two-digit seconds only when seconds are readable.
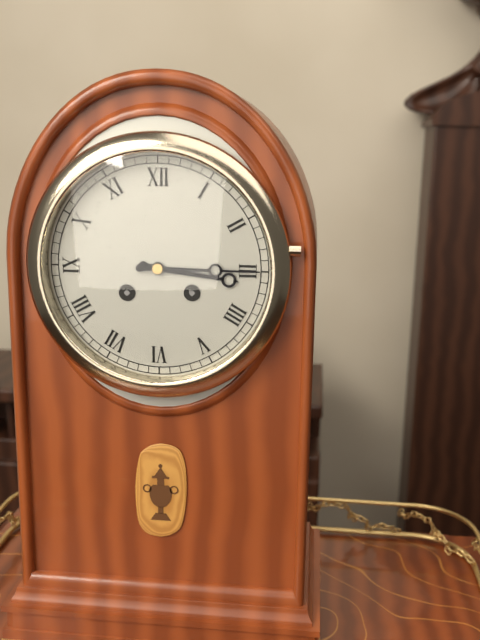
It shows 3.15
